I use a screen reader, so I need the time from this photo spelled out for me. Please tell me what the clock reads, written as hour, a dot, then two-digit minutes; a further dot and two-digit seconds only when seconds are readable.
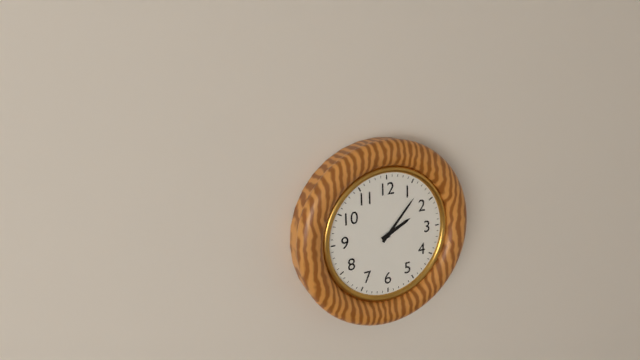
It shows 2.07
